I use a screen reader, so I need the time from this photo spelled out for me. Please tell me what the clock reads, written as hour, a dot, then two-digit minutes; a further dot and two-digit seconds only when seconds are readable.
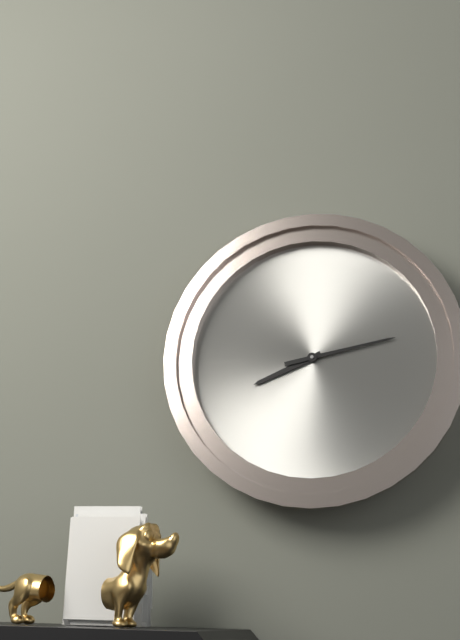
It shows 8.13
